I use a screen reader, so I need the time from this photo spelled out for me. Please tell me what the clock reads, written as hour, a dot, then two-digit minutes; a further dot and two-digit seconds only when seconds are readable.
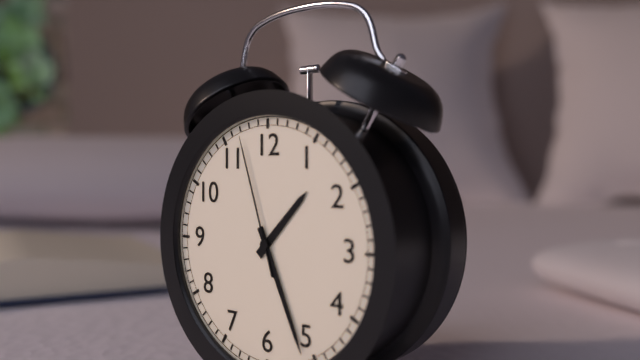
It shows 1.26.57
